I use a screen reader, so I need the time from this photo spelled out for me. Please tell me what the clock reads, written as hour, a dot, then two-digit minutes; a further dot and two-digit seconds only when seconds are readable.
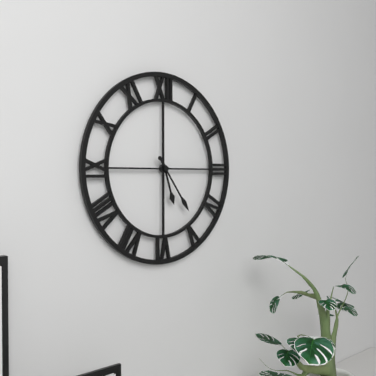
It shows 5.24
